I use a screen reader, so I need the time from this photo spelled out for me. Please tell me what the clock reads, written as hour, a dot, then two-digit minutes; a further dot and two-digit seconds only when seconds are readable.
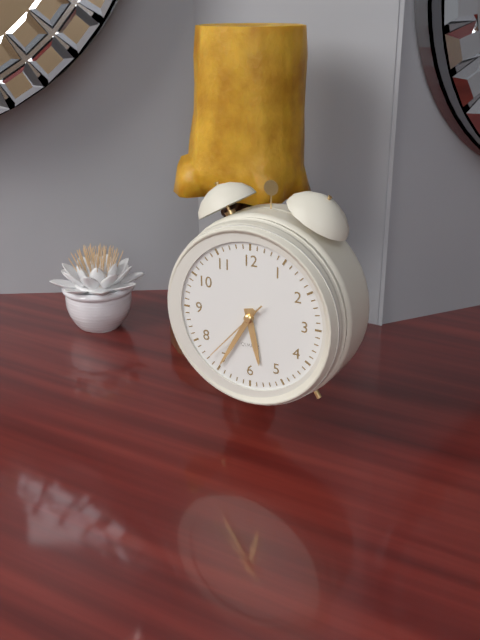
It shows 5.35.37
